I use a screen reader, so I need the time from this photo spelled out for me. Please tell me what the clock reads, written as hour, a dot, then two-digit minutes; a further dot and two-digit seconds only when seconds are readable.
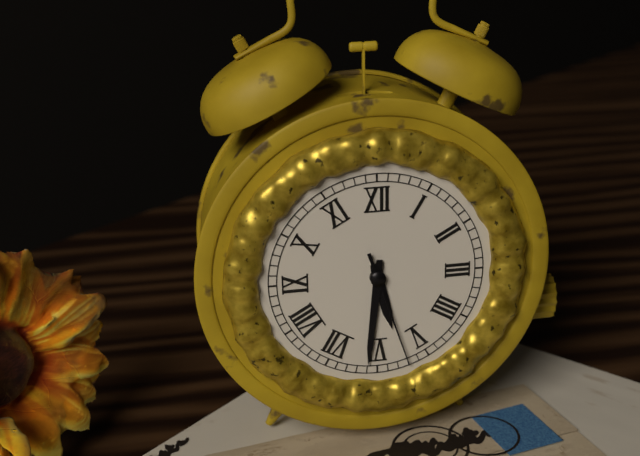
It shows 5.31.27
